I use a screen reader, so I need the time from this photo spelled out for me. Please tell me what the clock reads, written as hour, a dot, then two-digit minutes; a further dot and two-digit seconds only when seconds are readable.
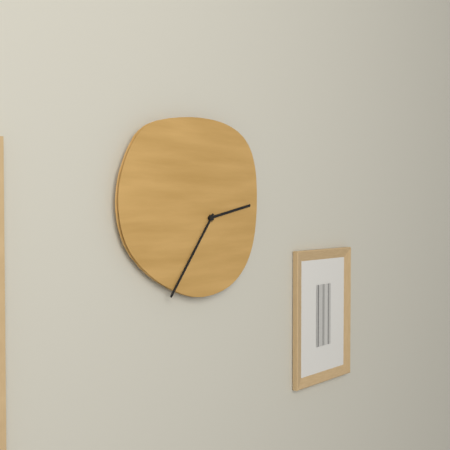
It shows 2.36
